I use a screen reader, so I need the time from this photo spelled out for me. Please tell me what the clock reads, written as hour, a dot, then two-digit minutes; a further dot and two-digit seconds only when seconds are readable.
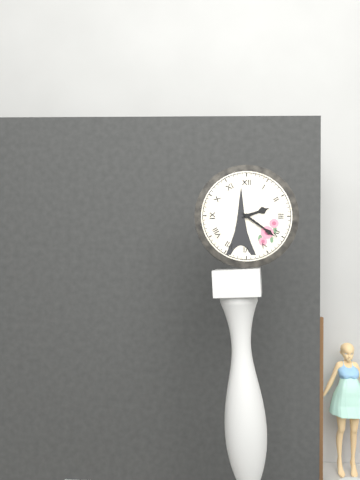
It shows 2.21
